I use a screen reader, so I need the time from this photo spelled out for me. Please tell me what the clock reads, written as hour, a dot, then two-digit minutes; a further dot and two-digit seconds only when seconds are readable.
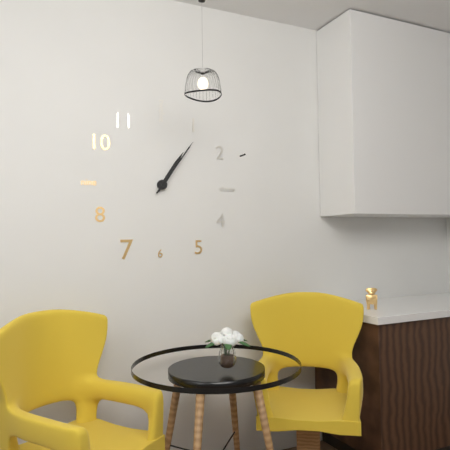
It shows 1.06
